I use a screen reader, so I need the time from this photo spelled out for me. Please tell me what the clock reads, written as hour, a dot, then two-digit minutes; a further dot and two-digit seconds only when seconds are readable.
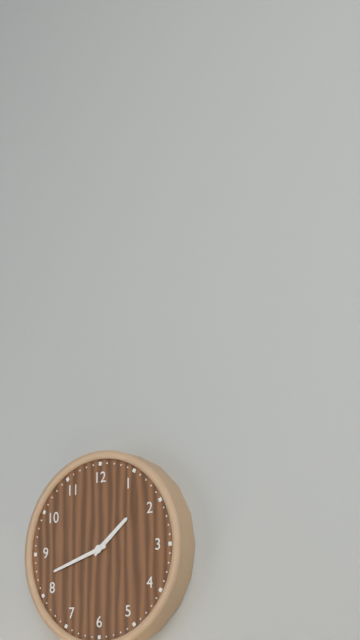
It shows 1.42
